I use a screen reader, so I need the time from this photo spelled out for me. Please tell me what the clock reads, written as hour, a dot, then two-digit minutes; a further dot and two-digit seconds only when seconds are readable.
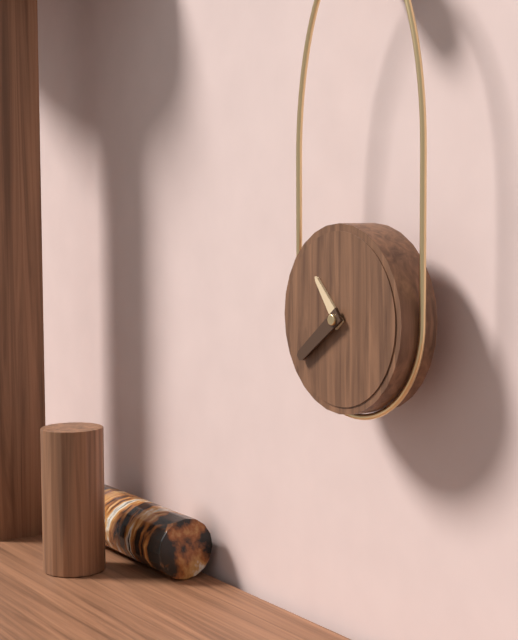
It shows 10.39
